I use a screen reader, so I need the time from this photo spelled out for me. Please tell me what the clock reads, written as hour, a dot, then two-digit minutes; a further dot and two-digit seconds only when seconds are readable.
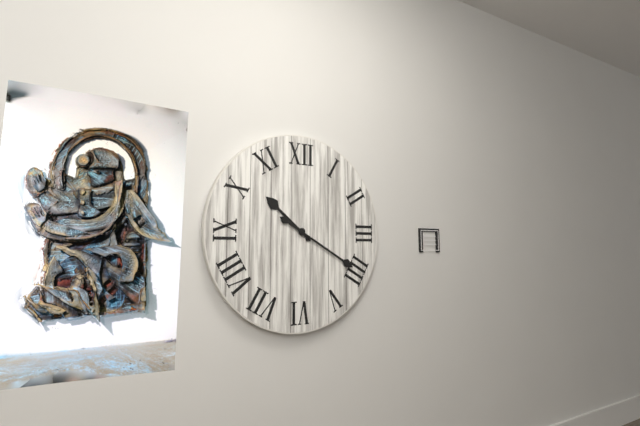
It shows 10.20
